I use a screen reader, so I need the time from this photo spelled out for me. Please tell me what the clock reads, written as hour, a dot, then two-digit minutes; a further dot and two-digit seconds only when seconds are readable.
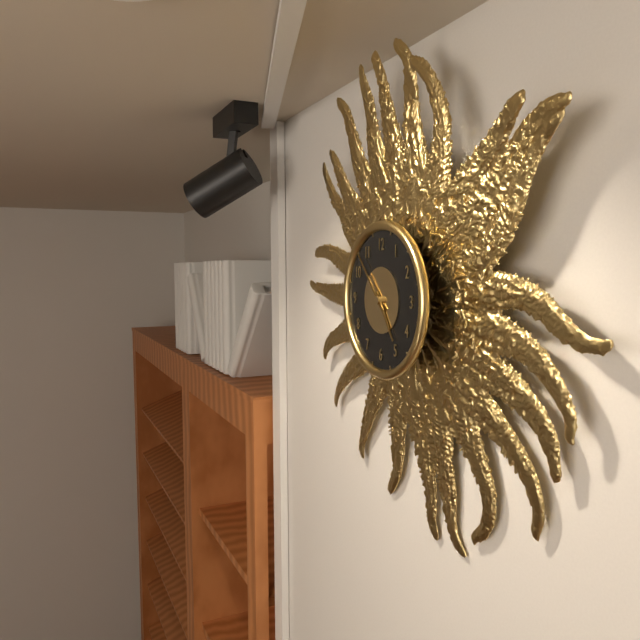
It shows 4.53
